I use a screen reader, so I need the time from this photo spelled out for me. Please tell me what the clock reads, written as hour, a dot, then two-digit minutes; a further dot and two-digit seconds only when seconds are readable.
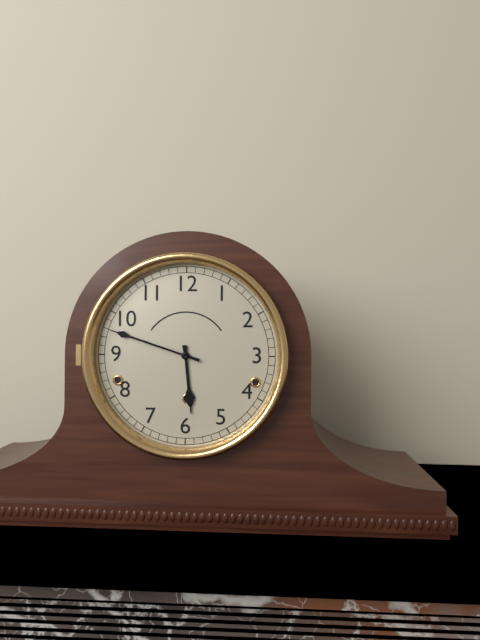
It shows 5.48
